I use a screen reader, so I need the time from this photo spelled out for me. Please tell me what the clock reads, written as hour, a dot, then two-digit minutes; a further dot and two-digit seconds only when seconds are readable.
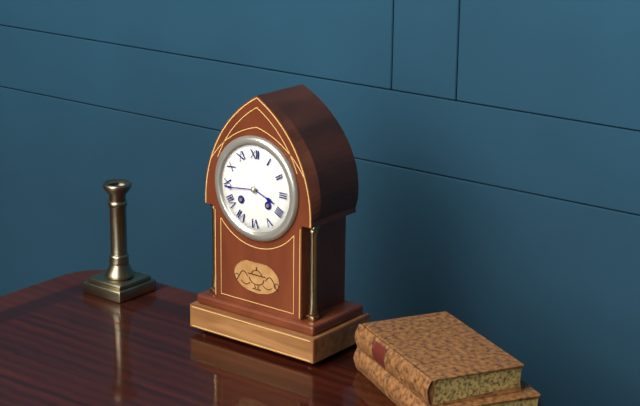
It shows 3.44
